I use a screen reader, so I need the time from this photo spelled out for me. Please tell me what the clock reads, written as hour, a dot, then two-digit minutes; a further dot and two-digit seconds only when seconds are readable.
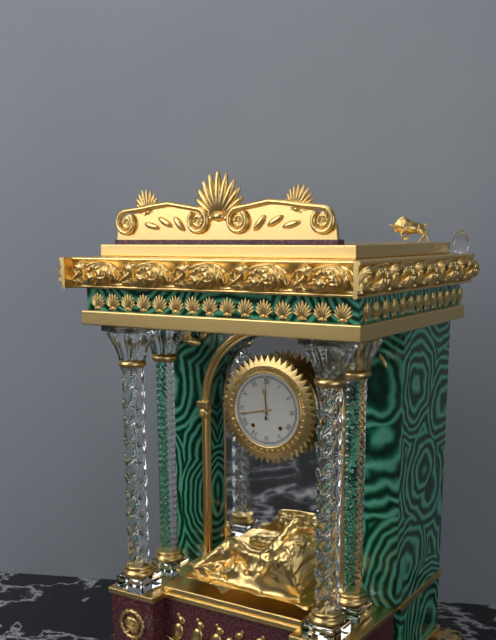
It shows 11.43
